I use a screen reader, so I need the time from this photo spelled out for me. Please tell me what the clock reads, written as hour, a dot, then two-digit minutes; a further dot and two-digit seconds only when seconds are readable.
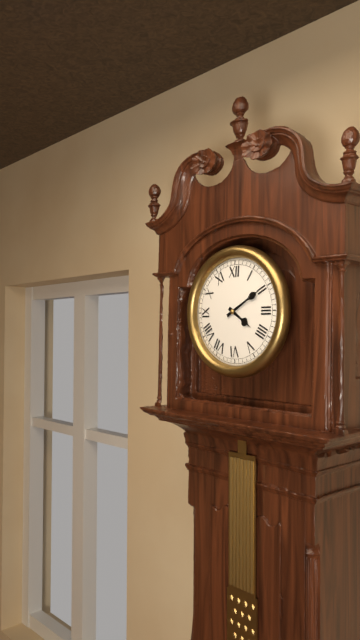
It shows 4.10
